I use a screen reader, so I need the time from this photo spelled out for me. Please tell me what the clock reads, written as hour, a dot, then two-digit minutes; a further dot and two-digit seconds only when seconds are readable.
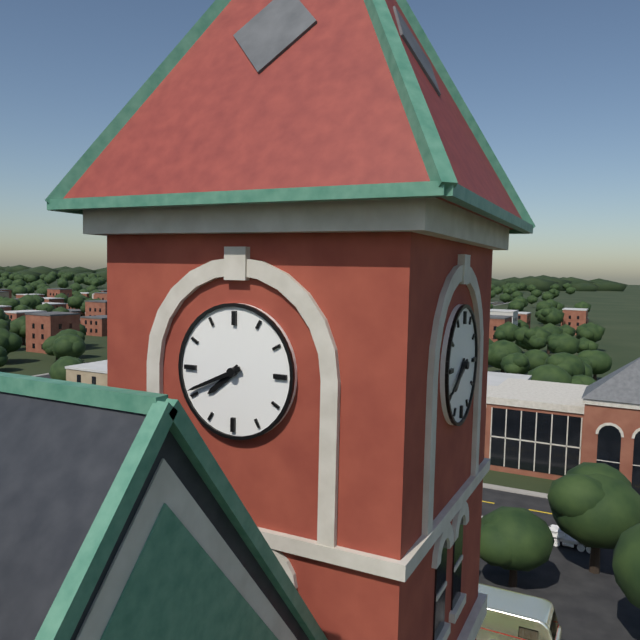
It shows 7.41
